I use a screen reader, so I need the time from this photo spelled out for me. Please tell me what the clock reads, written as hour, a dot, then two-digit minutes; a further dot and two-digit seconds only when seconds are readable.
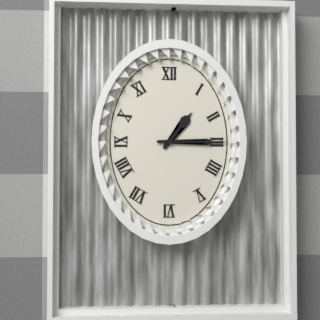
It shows 1.15
